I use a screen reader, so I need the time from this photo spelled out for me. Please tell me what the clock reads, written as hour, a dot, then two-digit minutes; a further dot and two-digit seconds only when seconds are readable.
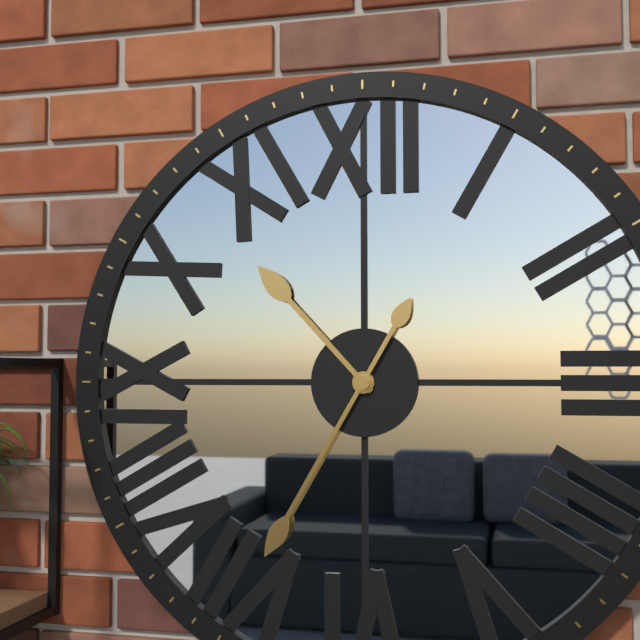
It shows 10.35
